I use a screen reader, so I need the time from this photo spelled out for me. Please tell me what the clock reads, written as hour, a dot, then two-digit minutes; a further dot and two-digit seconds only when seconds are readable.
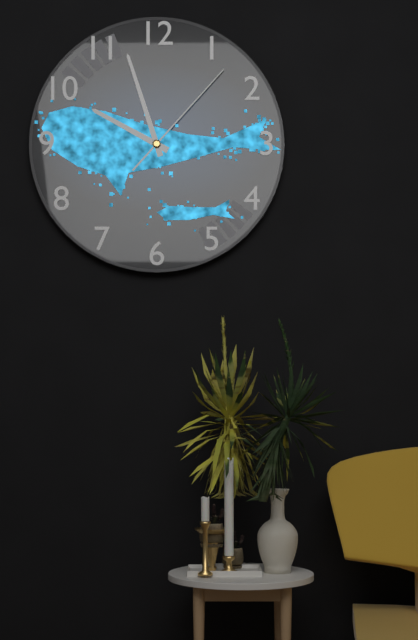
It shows 9.57.07
